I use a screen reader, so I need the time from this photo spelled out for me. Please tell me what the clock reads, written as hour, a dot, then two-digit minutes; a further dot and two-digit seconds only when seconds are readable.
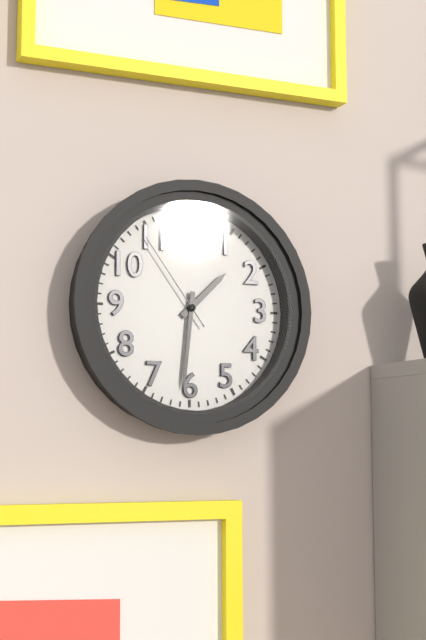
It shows 1.31.54
